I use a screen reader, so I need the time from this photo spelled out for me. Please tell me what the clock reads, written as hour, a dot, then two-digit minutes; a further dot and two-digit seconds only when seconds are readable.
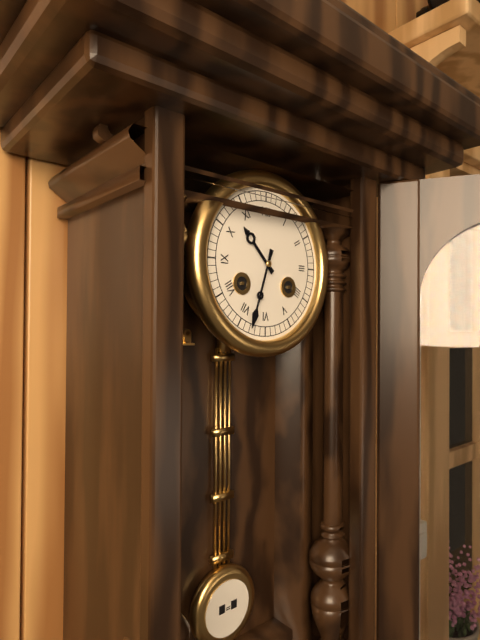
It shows 10.33
